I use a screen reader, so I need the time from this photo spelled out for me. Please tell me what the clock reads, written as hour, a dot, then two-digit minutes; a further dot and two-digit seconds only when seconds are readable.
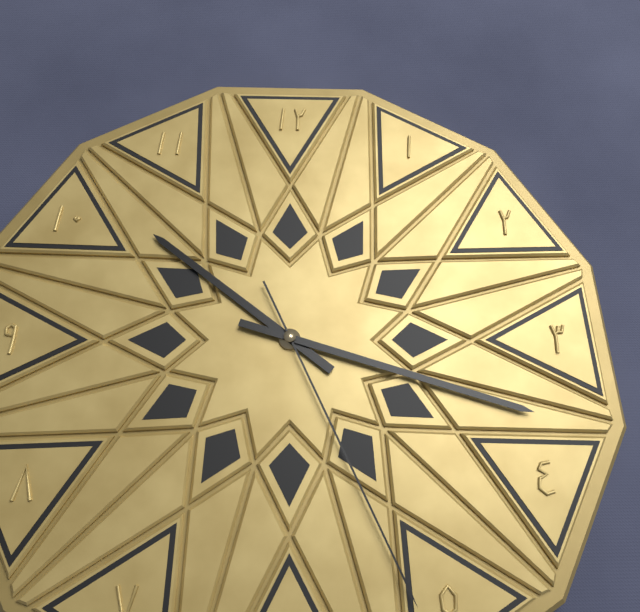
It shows 10.18.26
